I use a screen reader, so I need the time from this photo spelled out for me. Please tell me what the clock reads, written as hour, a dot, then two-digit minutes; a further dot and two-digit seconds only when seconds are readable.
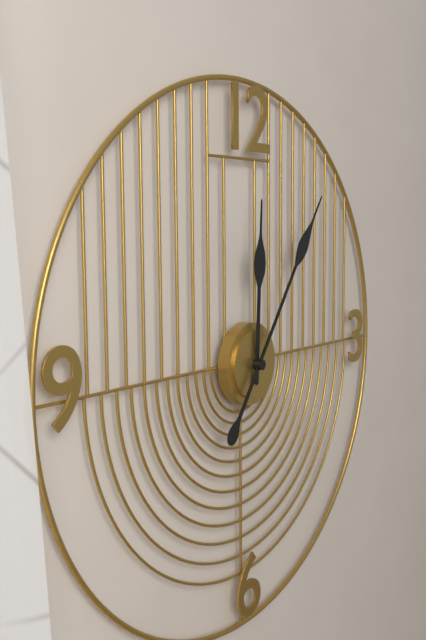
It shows 12.06
